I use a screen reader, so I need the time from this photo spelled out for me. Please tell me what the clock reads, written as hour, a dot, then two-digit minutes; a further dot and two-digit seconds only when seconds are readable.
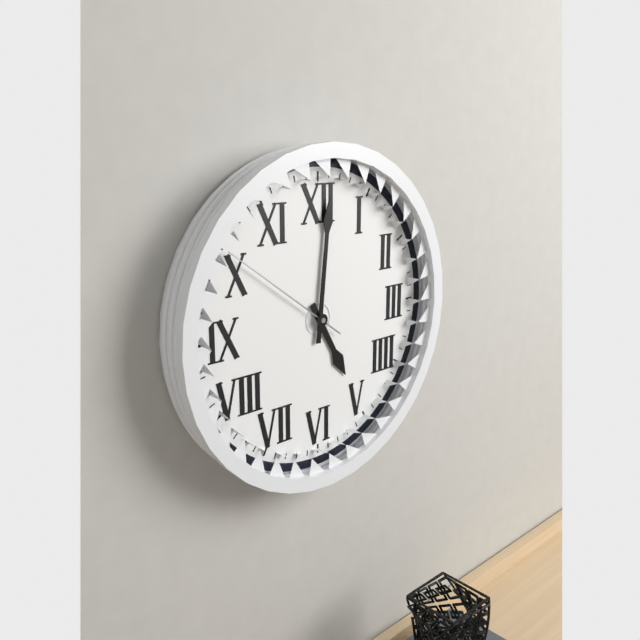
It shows 5.01.51
